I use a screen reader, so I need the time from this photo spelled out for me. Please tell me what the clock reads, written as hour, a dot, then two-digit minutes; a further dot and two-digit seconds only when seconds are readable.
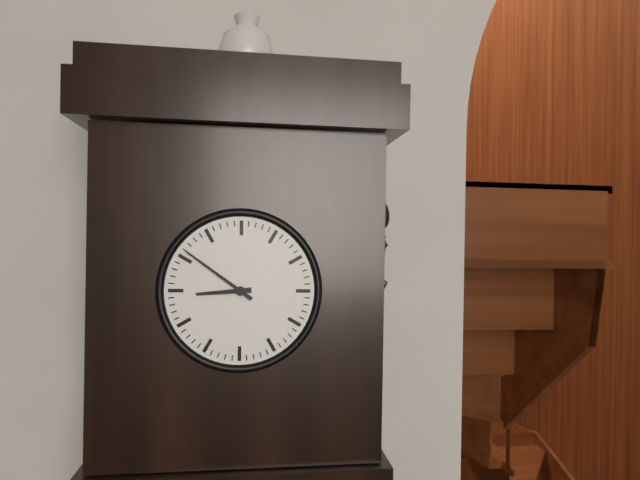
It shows 8.51
